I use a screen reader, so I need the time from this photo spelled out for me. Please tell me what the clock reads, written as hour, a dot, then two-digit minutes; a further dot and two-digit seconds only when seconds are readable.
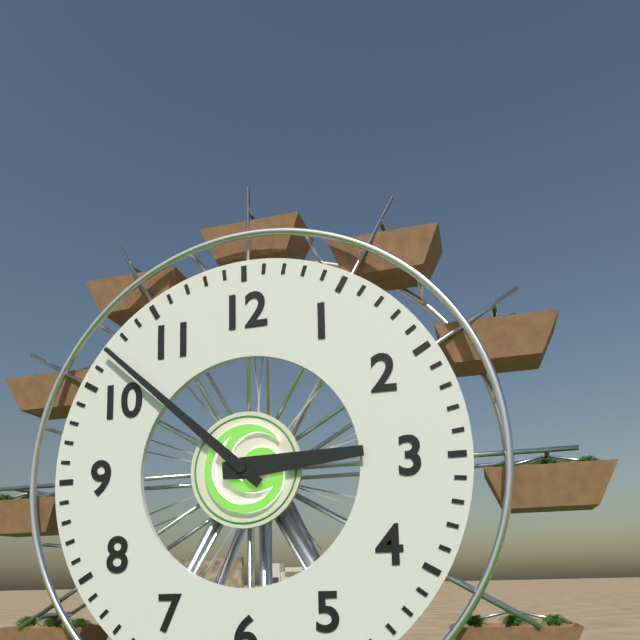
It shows 2.52
